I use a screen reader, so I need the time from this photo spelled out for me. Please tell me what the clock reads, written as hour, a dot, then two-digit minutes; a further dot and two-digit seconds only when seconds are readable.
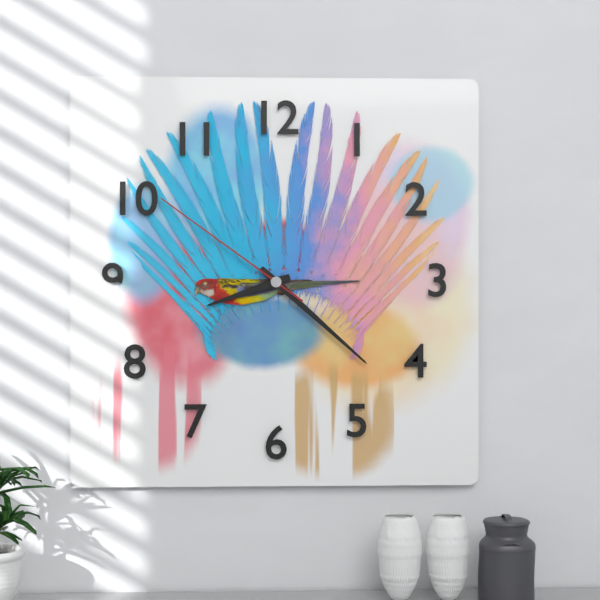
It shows 8.22.51
